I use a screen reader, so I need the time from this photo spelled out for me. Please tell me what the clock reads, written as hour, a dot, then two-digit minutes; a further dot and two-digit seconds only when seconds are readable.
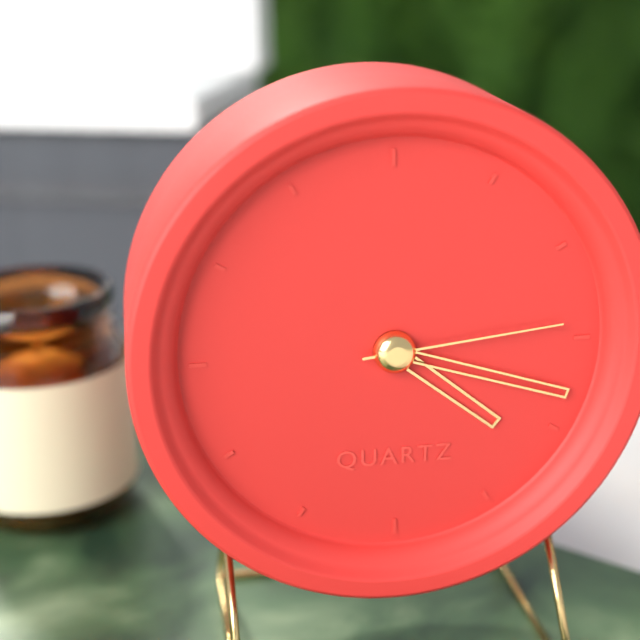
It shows 4.18.14
